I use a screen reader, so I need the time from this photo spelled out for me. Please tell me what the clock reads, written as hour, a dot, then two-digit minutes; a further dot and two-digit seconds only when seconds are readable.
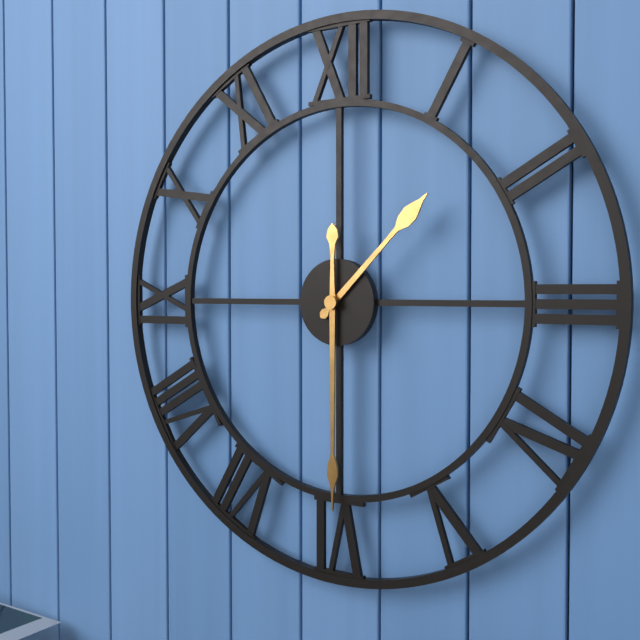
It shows 1.30
